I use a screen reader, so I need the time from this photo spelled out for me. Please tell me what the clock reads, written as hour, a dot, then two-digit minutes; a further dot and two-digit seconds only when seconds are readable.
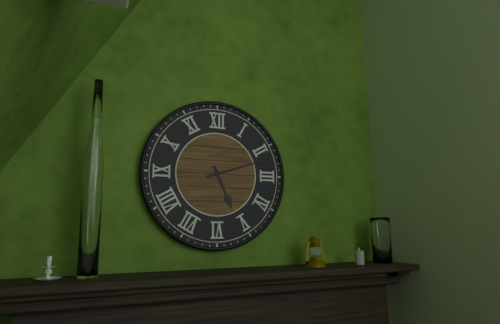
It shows 5.12
